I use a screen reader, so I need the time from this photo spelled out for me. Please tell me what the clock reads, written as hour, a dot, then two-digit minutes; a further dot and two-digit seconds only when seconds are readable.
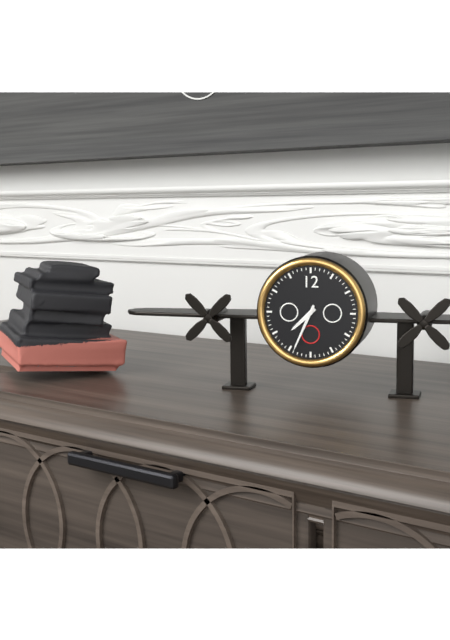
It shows 7.34
